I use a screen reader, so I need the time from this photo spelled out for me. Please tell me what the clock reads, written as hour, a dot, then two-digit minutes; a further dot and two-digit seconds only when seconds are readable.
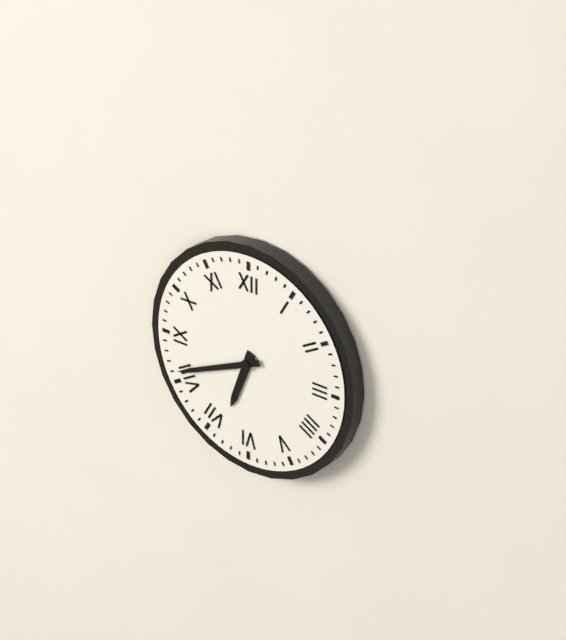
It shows 6.41
